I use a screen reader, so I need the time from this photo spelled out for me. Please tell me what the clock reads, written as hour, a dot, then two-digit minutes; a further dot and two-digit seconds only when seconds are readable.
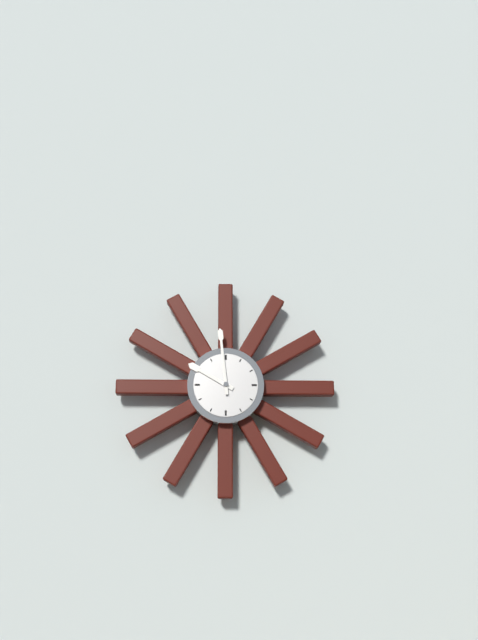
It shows 9.59
